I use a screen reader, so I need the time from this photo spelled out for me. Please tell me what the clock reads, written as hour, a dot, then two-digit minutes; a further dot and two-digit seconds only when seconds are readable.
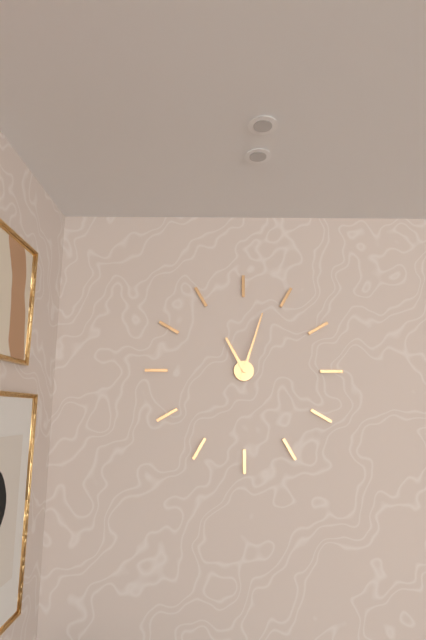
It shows 11.03
